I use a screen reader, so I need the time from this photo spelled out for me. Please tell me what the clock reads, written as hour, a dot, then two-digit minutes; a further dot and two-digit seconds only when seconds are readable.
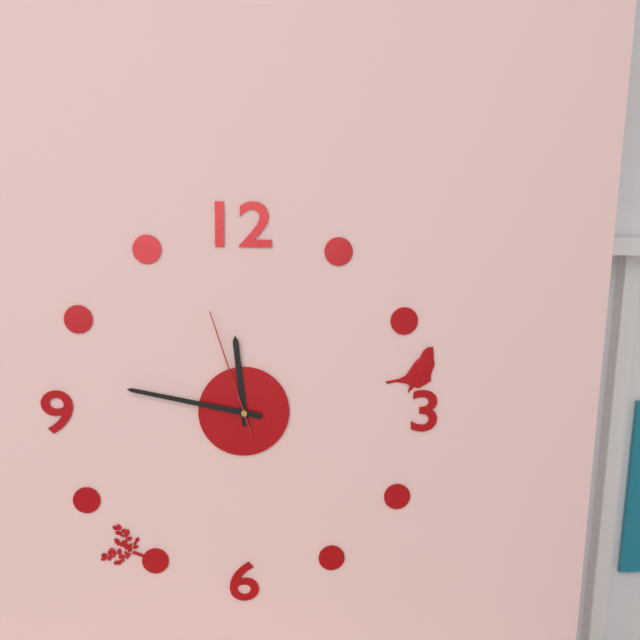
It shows 11.47.57
